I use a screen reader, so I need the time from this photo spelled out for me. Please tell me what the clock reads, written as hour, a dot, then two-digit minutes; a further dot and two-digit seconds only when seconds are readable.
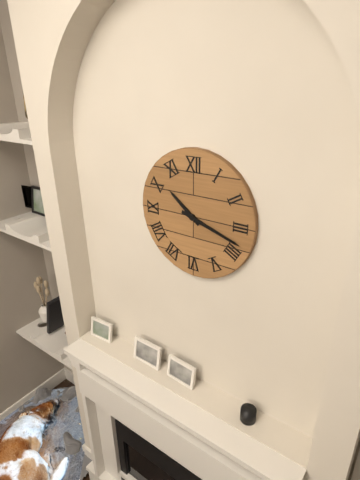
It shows 10.18
